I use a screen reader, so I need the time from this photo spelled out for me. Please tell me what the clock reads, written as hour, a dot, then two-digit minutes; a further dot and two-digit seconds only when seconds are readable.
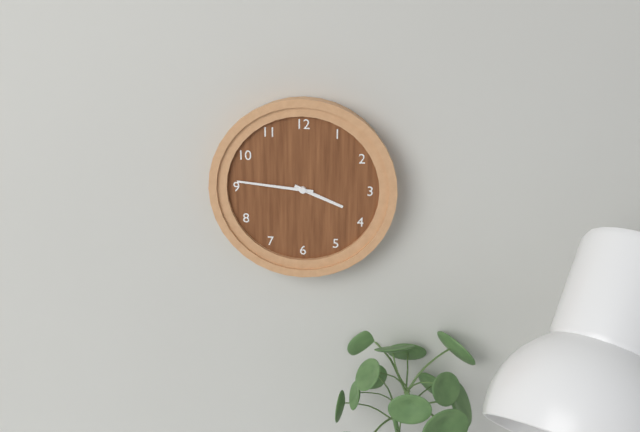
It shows 3.46
